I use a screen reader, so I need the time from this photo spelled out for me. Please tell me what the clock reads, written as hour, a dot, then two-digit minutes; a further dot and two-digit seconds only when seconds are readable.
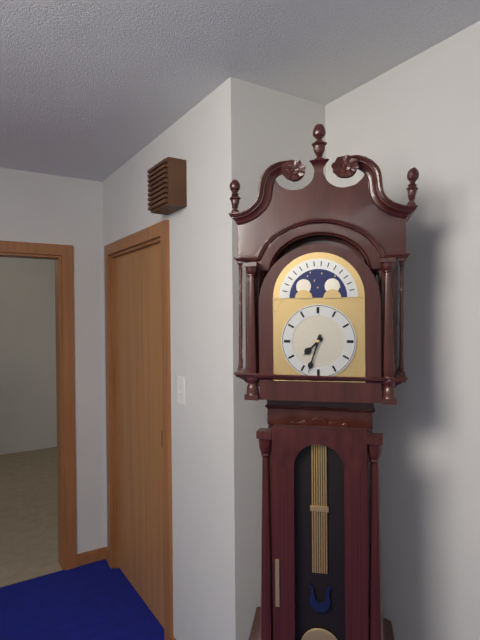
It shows 7.33
